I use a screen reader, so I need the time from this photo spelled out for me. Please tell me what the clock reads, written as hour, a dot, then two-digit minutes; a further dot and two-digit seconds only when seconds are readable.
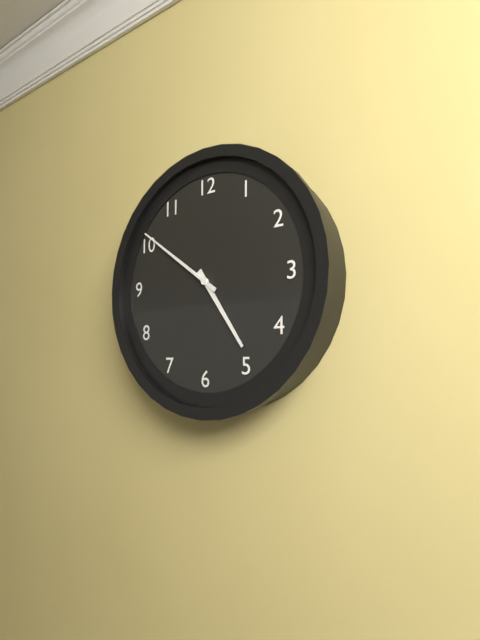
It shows 4.51
